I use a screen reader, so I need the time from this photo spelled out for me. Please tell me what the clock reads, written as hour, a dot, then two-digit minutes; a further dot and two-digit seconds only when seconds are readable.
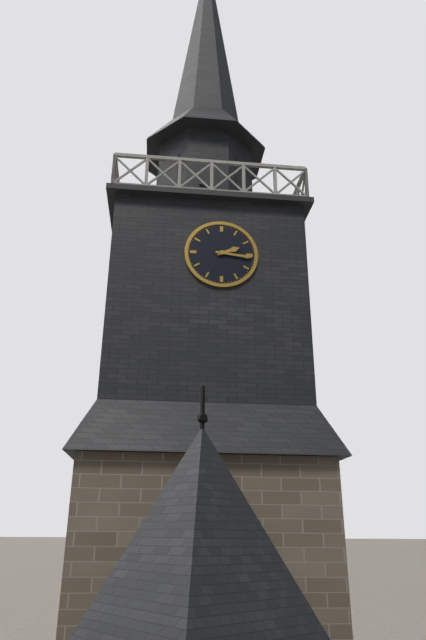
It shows 2.16
